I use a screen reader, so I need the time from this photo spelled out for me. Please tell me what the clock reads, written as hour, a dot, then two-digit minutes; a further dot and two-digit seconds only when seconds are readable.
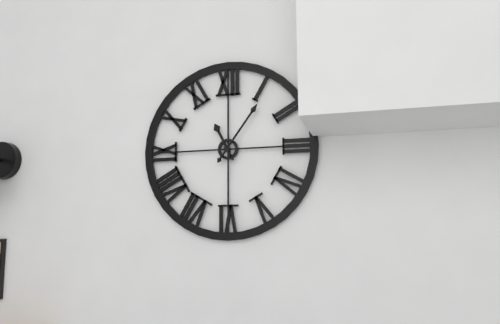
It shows 11.06
